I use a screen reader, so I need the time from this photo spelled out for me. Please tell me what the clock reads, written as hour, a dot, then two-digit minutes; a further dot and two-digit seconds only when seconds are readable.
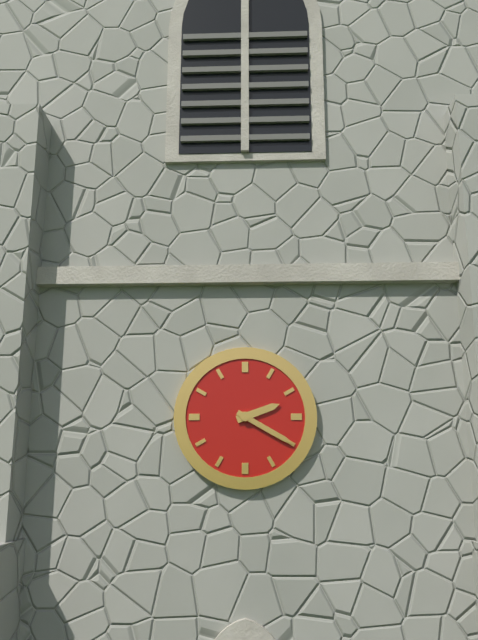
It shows 2.20
